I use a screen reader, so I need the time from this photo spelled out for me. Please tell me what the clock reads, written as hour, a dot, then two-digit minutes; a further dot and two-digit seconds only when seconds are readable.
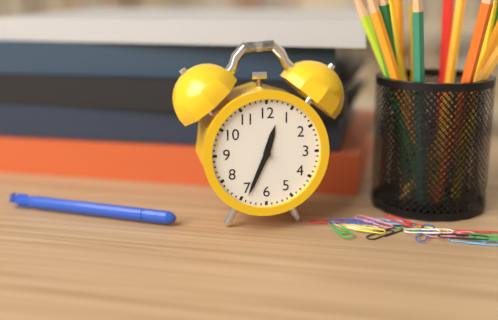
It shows 12.34
